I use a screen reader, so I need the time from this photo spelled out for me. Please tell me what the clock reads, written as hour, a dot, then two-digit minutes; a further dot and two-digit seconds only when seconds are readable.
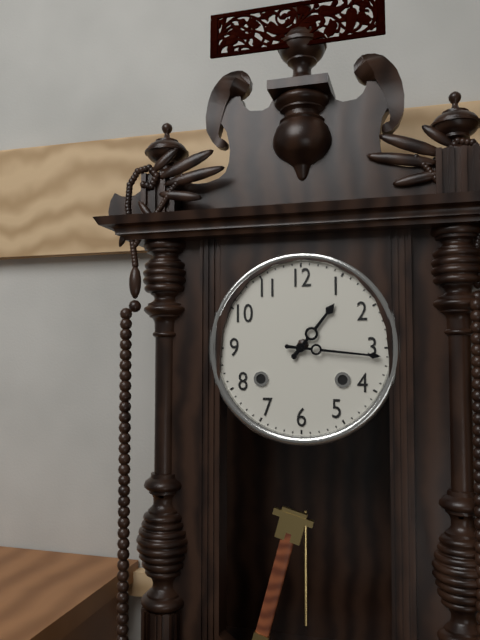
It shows 1.16
